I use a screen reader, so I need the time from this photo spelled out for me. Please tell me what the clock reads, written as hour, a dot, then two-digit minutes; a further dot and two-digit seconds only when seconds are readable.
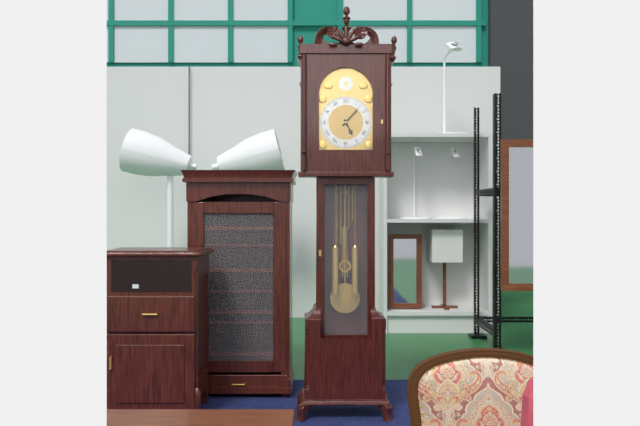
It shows 5.07
